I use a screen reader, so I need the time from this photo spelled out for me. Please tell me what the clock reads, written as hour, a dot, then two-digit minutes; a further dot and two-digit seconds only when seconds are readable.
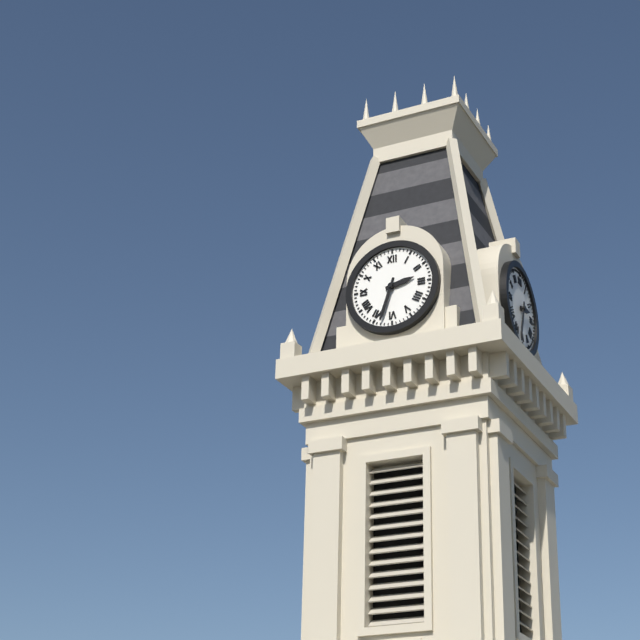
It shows 2.33
